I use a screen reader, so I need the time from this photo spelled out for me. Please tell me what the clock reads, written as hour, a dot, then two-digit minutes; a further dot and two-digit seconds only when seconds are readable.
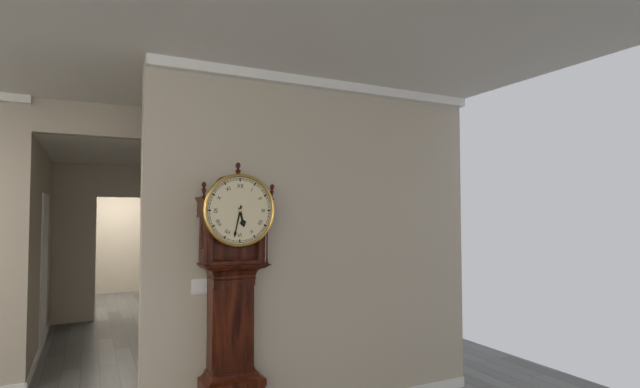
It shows 5.32
